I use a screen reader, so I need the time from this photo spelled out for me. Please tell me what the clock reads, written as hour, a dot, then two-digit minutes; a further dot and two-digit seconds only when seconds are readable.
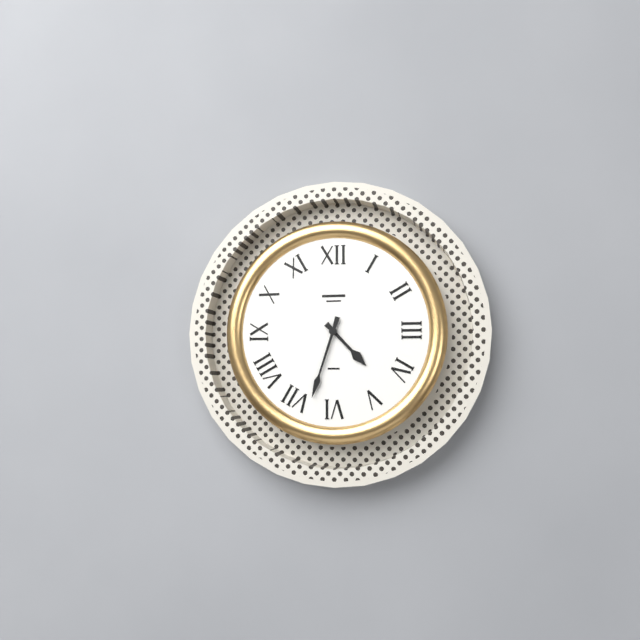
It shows 4.33
